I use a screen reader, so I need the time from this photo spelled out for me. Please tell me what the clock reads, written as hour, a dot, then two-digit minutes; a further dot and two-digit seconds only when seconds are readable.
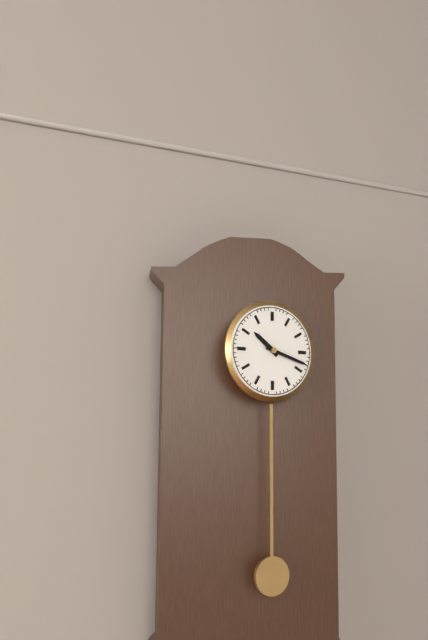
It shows 10.18
